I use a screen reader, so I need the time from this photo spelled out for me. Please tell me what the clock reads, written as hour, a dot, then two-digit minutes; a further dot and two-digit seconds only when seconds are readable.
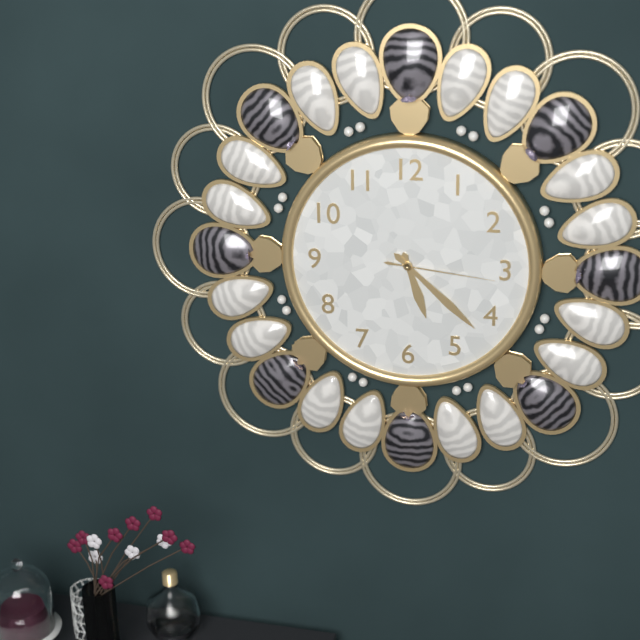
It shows 5.22.16
